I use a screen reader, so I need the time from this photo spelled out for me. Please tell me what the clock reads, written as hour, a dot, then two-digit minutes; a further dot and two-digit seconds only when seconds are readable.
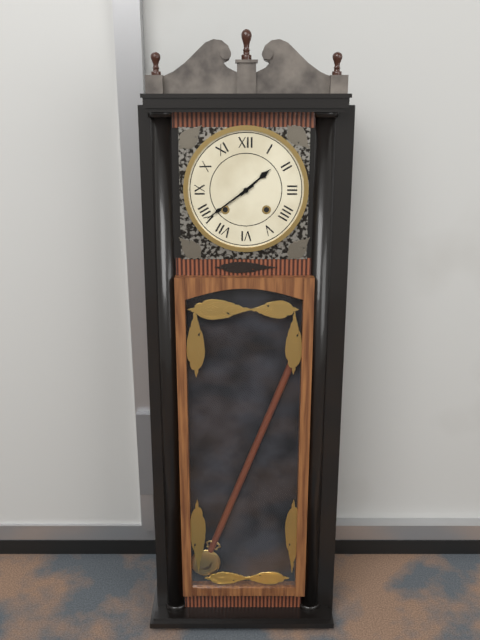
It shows 1.39
